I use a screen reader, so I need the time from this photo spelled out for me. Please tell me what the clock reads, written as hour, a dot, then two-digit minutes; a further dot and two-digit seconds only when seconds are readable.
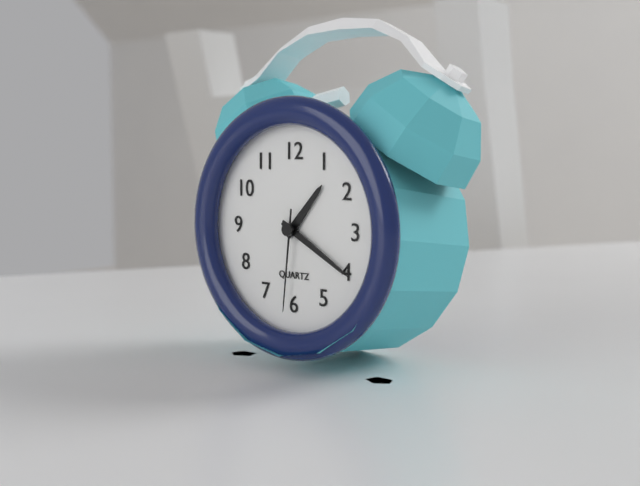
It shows 1.20.31
